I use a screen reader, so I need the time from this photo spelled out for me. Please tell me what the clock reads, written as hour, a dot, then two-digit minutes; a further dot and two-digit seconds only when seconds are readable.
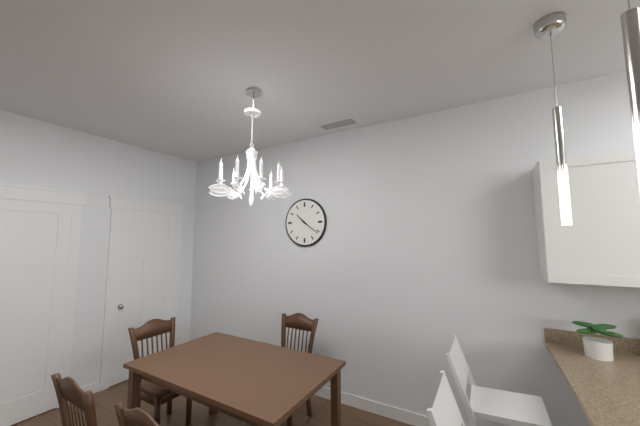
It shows 10.21
